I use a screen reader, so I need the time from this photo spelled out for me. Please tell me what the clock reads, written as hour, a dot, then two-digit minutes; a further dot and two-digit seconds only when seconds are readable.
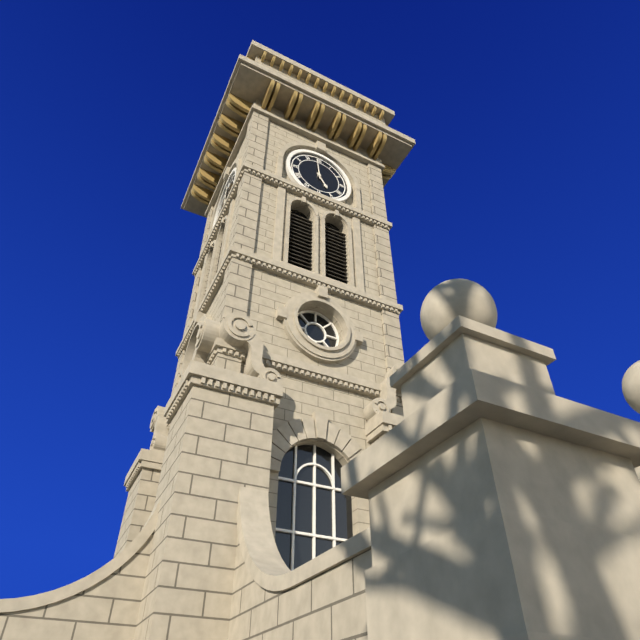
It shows 4.59
